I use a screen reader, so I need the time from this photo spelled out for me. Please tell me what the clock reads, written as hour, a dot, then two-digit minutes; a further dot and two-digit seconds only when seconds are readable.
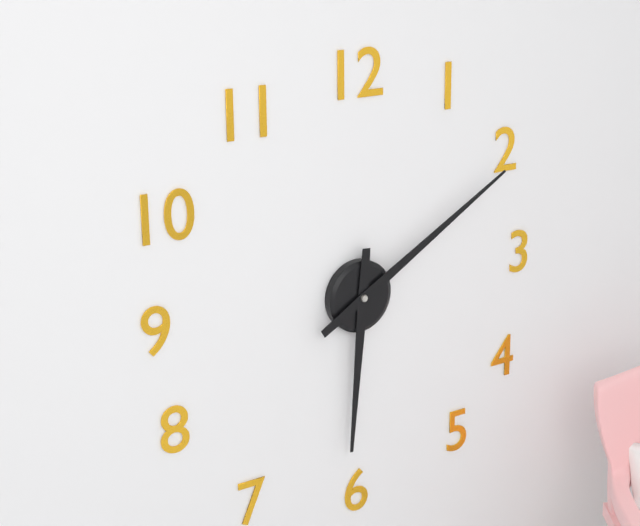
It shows 6.10
